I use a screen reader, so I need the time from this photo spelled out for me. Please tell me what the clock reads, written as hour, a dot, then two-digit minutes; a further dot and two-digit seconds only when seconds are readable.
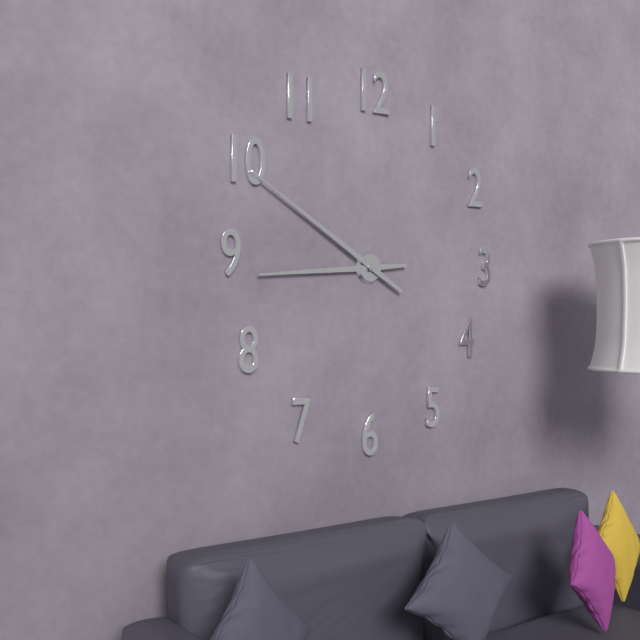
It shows 8.50
